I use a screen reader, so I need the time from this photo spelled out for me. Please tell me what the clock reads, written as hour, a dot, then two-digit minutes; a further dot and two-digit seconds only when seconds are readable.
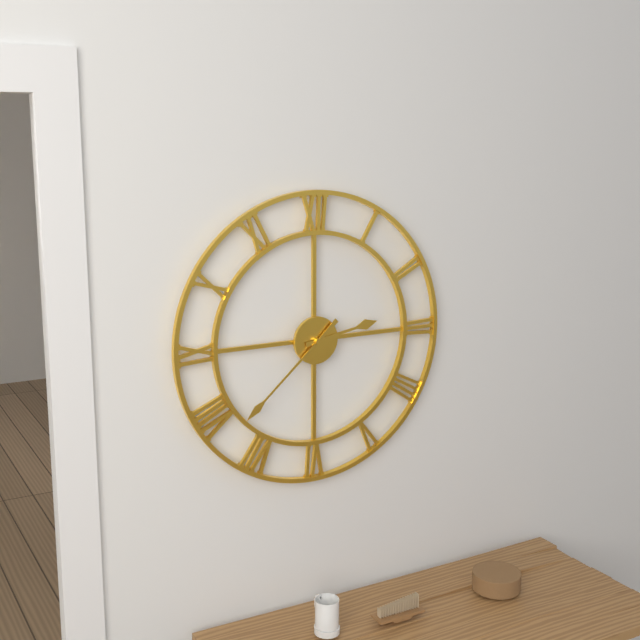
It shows 2.38
